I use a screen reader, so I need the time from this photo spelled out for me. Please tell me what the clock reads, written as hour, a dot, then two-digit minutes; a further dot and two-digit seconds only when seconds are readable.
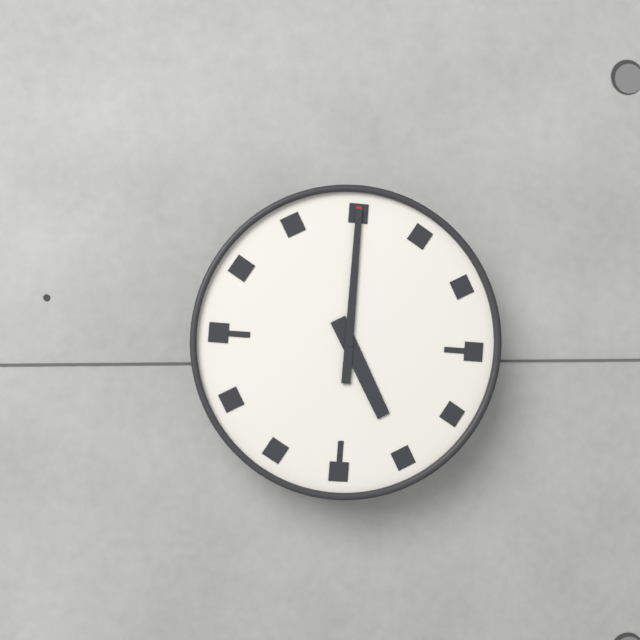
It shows 5.00
